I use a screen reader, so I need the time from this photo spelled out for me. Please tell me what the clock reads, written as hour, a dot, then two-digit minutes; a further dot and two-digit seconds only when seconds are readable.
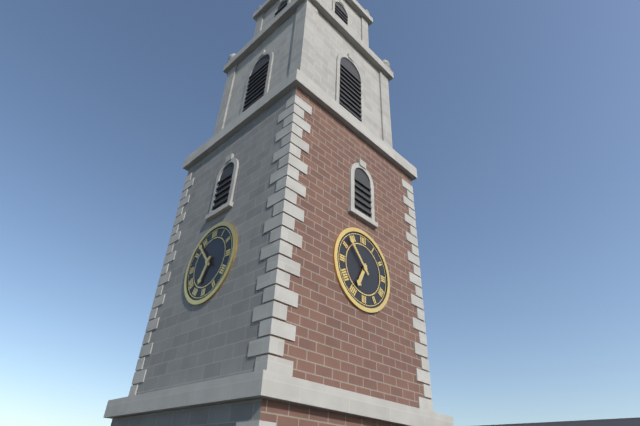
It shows 6.53
